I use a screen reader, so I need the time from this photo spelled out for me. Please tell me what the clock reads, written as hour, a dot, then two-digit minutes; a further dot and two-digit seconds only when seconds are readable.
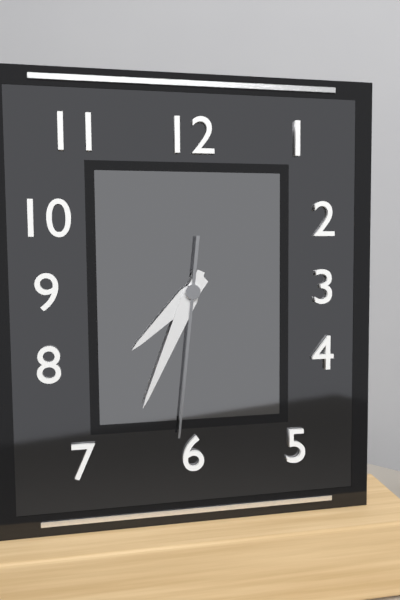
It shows 7.34.31
